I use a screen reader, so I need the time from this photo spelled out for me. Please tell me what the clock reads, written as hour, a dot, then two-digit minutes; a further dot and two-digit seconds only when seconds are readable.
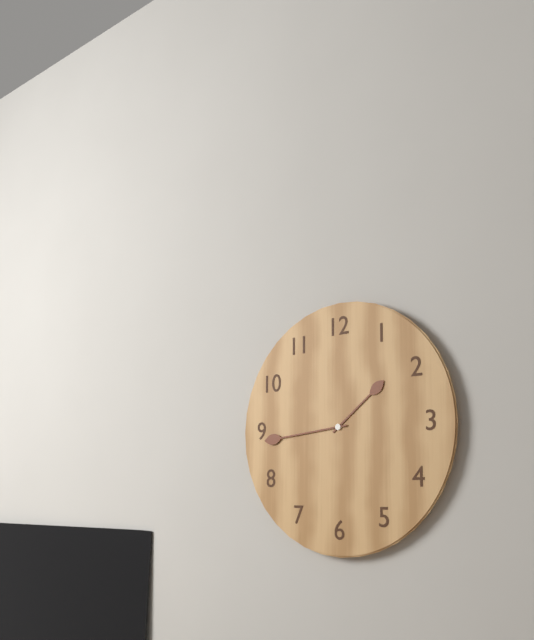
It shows 1.44
